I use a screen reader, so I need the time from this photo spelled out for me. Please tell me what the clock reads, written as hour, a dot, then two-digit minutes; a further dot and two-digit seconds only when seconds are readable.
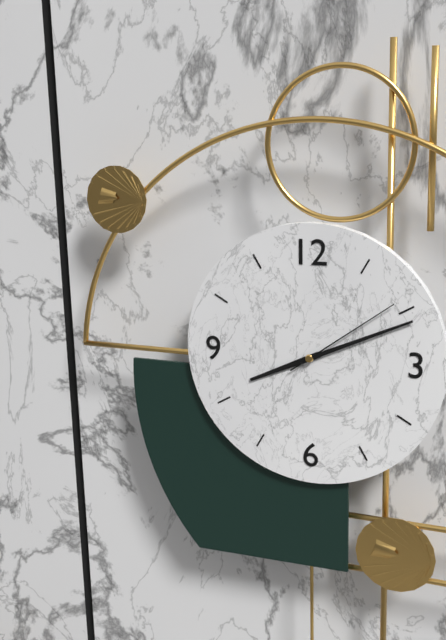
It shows 8.11.09
